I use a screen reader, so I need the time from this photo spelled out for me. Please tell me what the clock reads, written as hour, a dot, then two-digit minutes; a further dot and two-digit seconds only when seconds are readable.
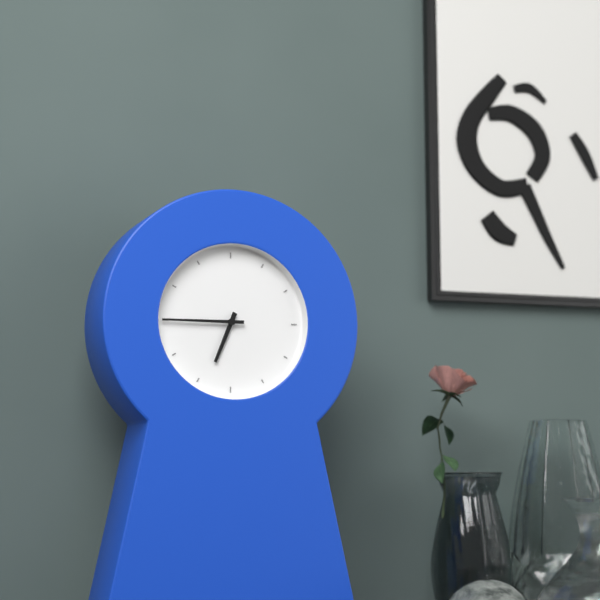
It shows 6.45
